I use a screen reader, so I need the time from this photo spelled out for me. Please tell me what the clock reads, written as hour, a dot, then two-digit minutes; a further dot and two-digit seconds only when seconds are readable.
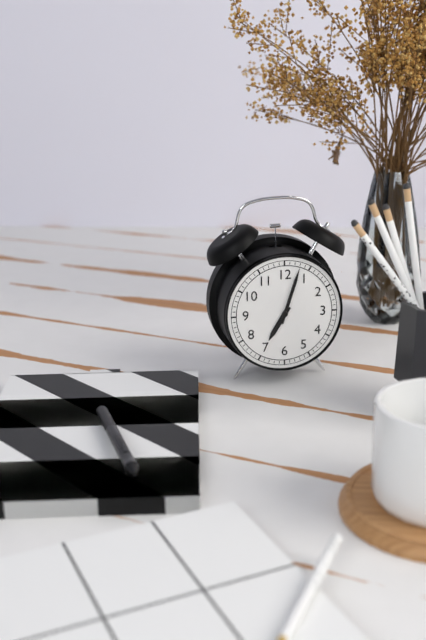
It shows 7.03
